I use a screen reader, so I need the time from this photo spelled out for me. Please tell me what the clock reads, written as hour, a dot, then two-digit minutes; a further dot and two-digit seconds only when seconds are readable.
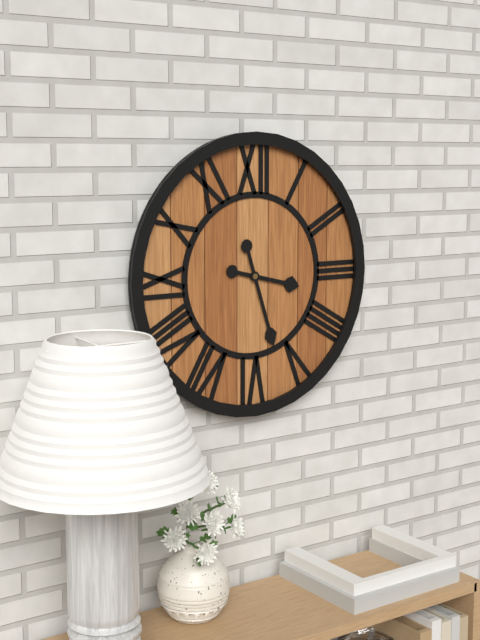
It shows 3.27
